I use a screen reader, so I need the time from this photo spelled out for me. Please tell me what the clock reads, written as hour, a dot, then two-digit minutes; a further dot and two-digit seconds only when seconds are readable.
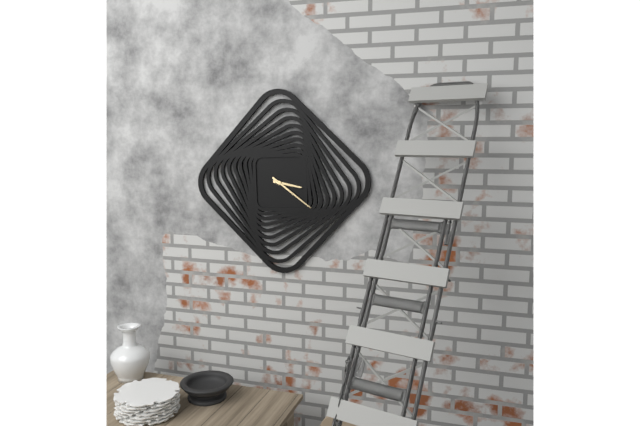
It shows 3.21
